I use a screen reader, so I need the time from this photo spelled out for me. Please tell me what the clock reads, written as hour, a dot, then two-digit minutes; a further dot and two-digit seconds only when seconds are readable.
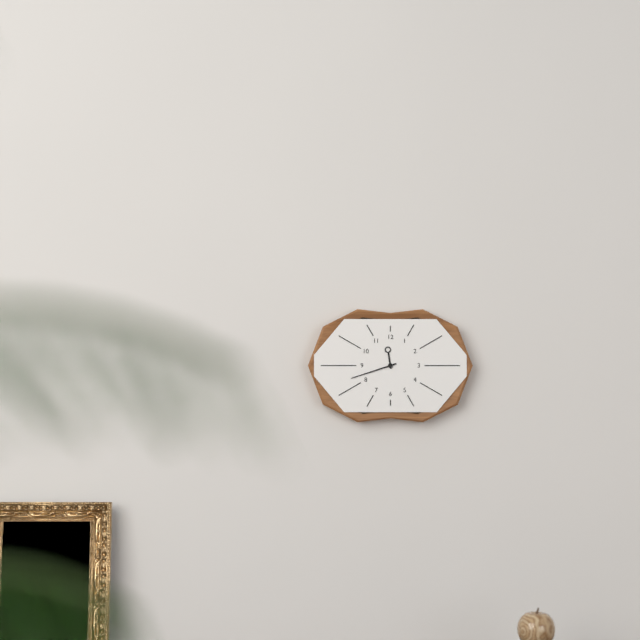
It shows 11.42
